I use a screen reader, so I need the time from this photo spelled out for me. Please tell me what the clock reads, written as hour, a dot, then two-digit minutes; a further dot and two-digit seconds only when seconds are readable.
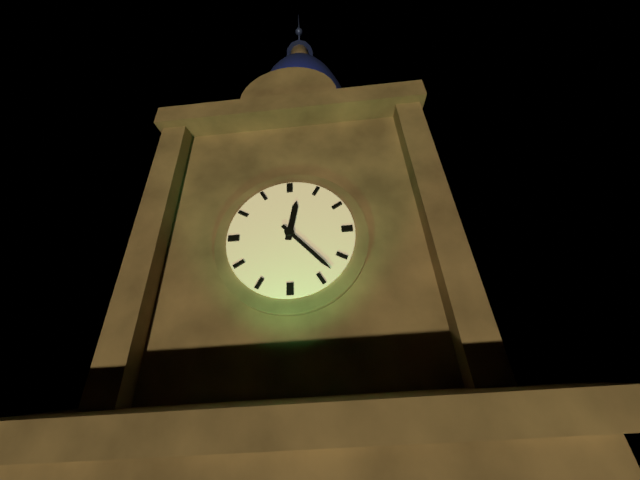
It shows 12.23
